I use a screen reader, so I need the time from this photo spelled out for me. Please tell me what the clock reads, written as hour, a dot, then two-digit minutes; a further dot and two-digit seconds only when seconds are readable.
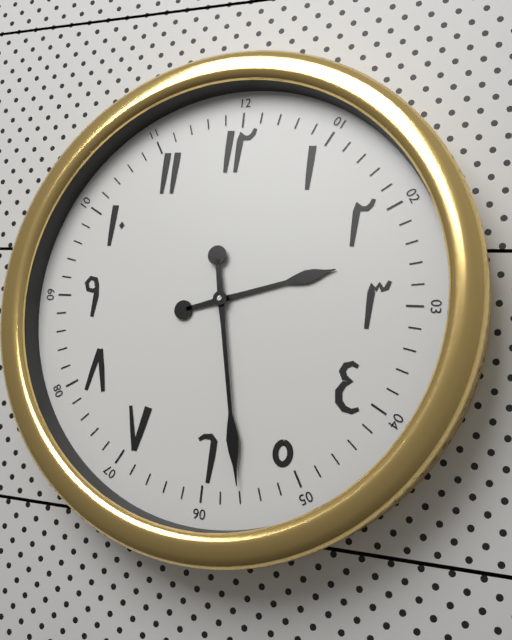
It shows 2.28
